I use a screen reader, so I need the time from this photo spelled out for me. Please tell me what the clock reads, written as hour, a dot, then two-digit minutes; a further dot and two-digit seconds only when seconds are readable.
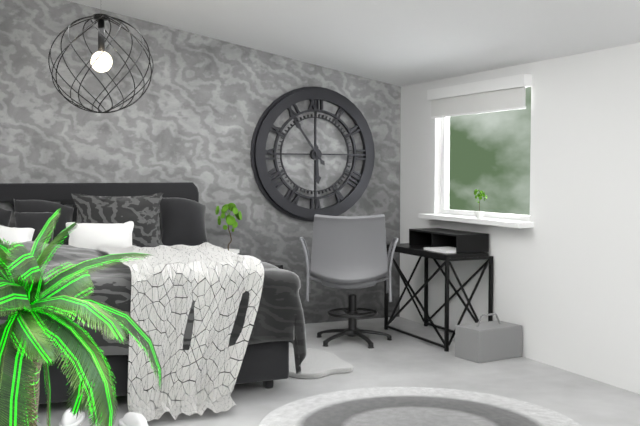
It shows 5.54
